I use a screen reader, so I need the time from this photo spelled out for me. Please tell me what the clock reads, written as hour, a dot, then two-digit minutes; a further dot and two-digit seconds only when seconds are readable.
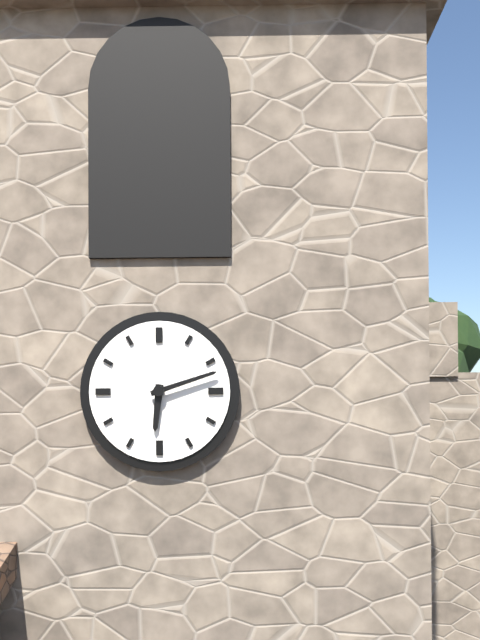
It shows 6.12
